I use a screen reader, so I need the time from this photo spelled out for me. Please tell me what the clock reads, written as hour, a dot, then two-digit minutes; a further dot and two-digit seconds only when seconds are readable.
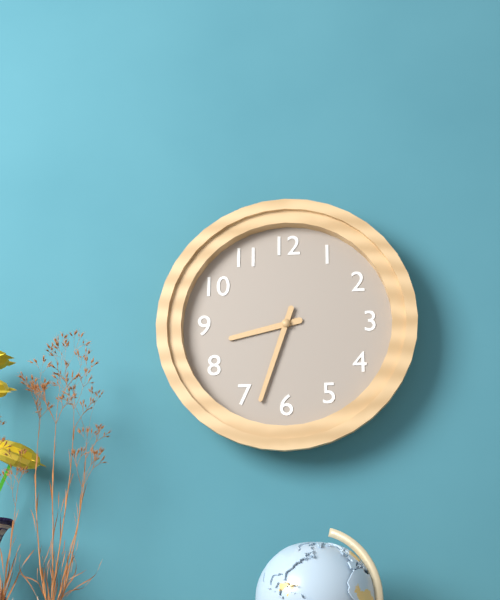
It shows 8.33
